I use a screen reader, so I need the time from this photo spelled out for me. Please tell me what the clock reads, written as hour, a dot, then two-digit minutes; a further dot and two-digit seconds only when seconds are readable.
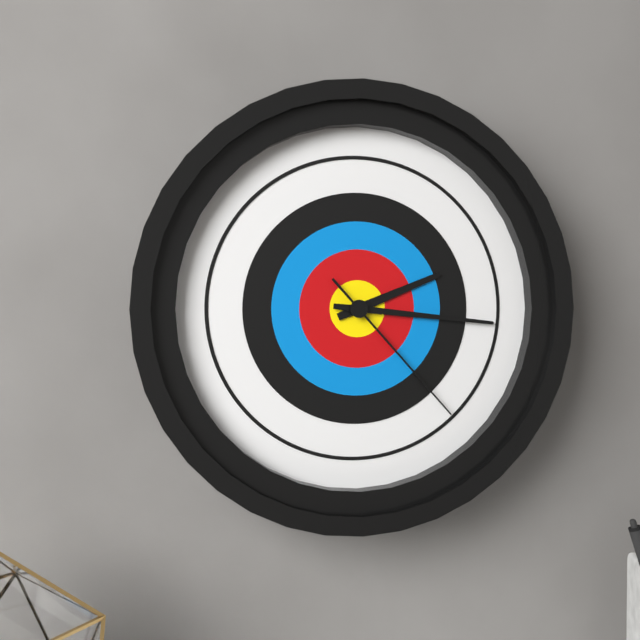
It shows 2.16.23
